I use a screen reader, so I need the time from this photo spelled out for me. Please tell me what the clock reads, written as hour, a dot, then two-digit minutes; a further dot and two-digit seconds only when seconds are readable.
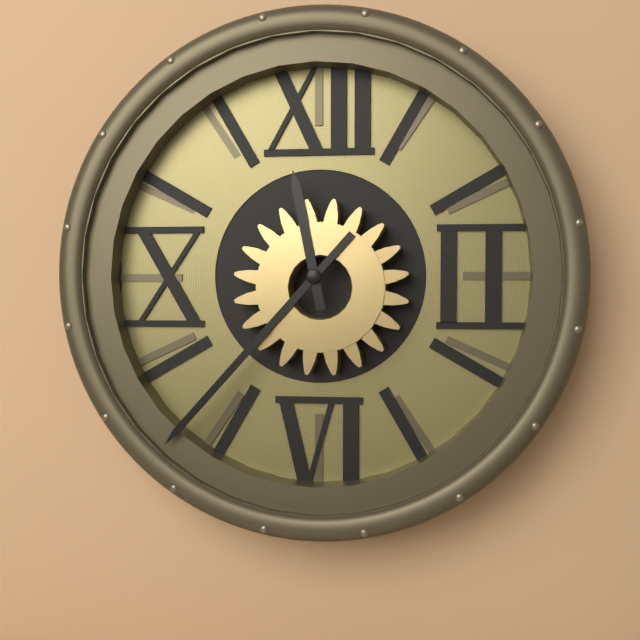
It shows 11.37
